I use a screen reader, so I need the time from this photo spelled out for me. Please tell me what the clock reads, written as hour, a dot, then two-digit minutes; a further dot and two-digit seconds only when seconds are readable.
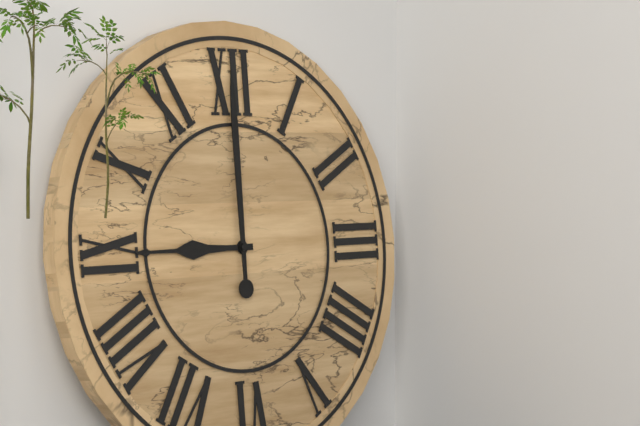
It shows 9.00
